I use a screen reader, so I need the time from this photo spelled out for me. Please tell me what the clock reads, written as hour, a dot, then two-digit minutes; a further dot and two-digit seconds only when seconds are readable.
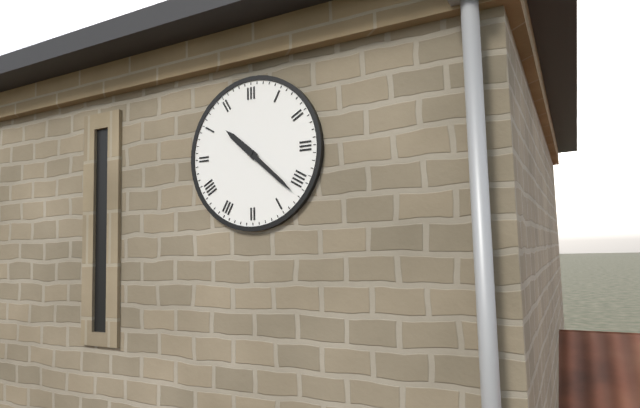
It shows 10.22
